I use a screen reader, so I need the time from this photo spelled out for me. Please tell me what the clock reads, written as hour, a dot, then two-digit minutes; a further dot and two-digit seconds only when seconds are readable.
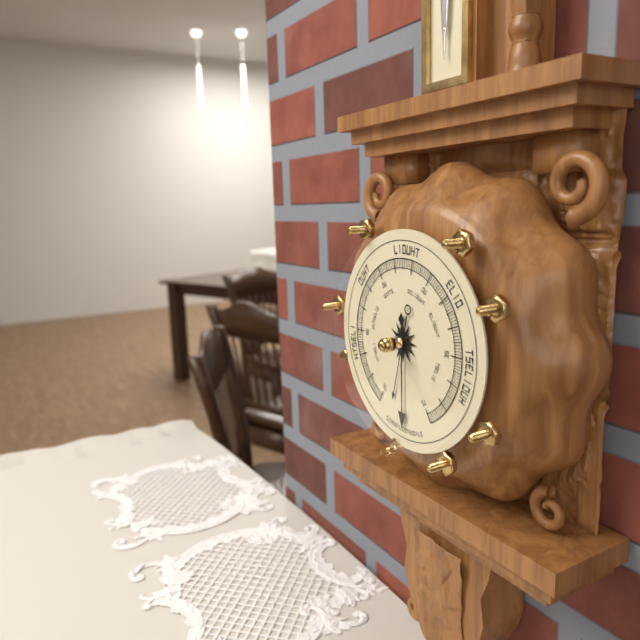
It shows 6.30
